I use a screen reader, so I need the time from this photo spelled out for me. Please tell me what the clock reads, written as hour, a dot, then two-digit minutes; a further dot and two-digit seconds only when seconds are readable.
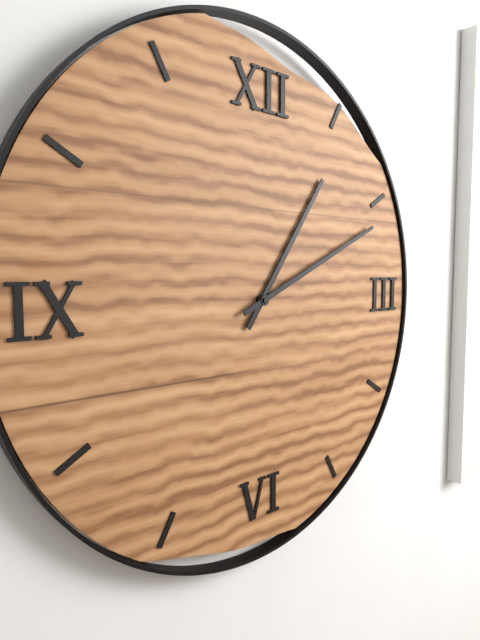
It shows 1.11
